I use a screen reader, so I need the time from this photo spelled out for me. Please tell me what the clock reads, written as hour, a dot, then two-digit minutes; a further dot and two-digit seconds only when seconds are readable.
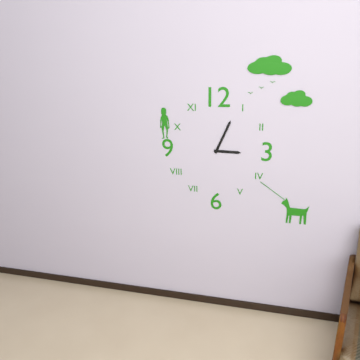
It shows 3.04
